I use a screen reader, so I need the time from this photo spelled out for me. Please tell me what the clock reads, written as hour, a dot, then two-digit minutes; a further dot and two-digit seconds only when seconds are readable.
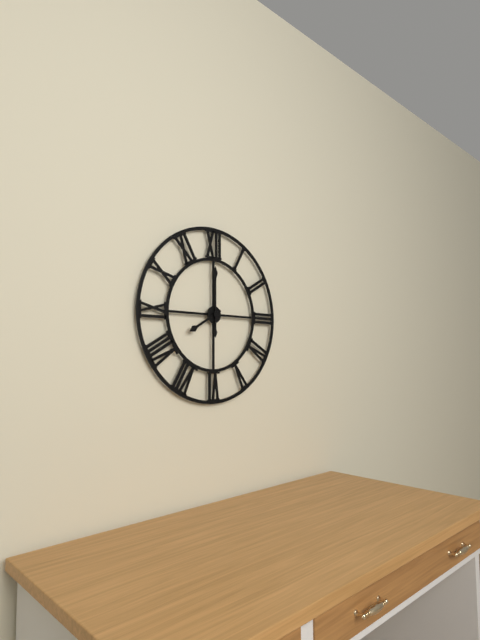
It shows 8.00
